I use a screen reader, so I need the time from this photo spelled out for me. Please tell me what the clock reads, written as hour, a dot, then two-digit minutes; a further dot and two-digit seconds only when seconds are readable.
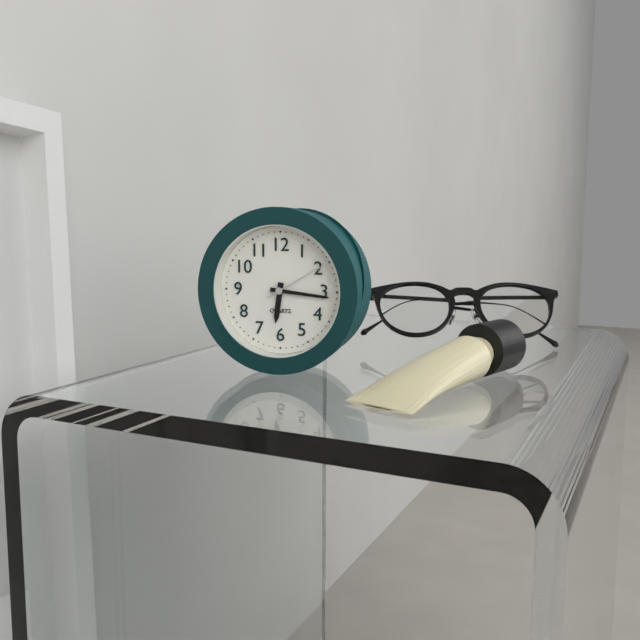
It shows 6.16.10
